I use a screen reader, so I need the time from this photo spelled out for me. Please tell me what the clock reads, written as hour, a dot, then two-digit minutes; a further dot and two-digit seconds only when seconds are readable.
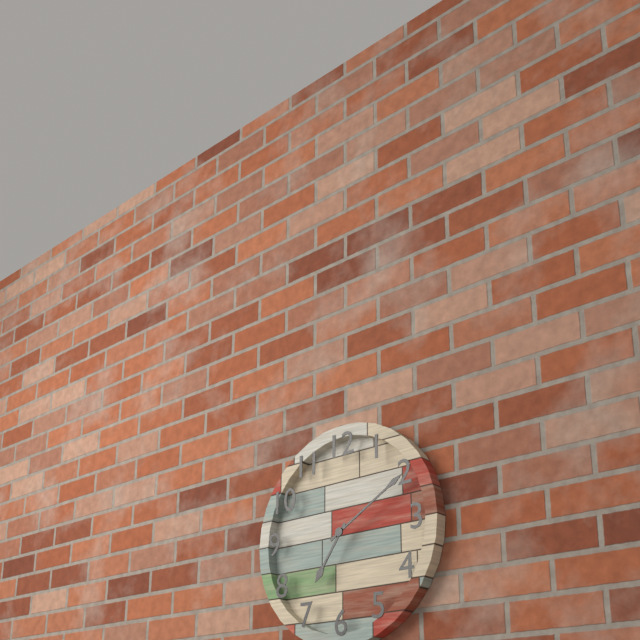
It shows 7.10
